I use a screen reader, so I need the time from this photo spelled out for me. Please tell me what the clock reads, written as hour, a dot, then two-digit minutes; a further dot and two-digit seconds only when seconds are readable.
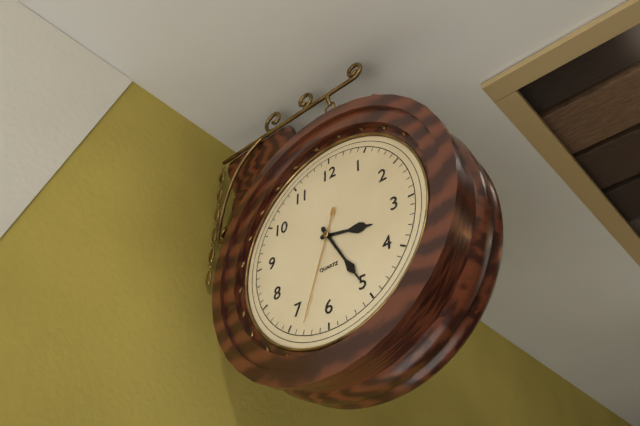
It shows 3.25.33
